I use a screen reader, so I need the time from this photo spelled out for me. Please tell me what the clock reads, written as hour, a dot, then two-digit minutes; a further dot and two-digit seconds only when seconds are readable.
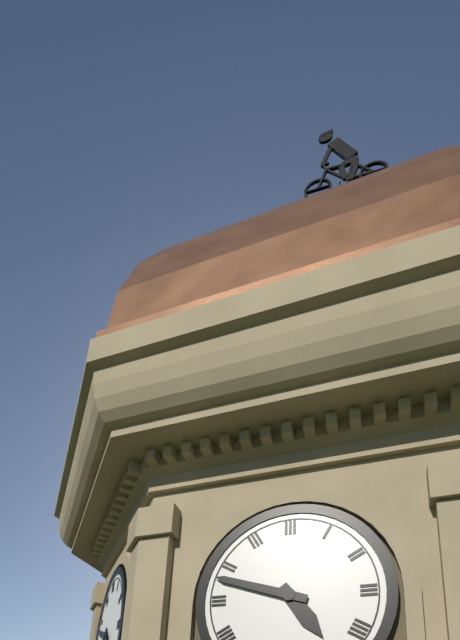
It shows 4.48
